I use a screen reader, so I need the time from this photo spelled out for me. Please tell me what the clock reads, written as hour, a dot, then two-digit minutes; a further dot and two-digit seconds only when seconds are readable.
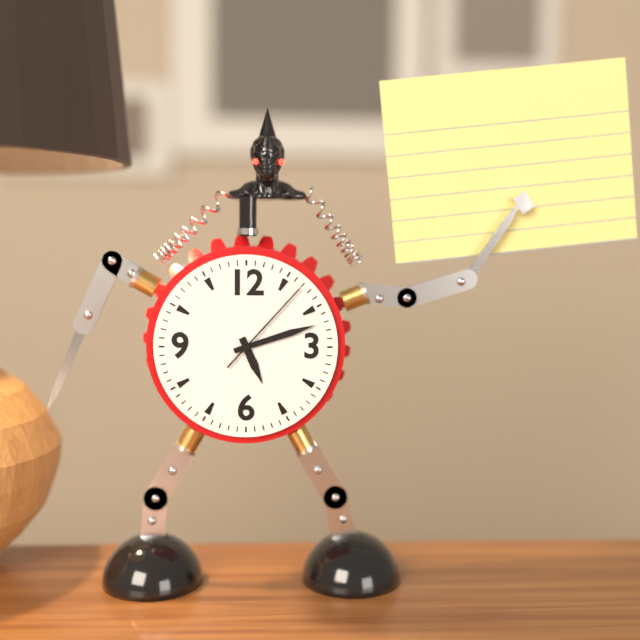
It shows 5.12.07
